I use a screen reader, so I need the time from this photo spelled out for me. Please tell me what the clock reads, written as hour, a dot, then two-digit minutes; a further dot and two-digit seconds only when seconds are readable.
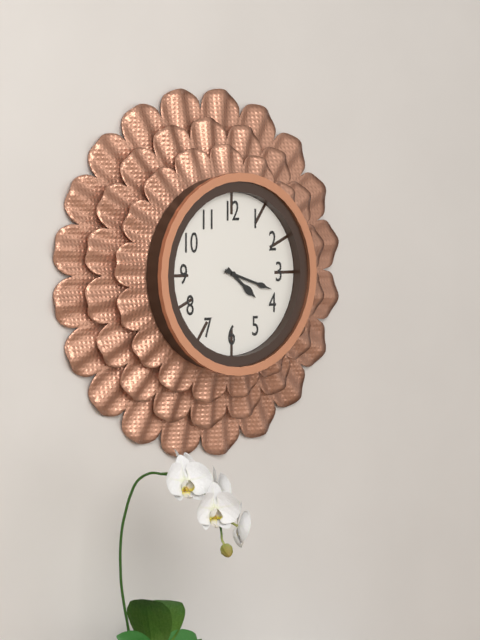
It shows 4.18
